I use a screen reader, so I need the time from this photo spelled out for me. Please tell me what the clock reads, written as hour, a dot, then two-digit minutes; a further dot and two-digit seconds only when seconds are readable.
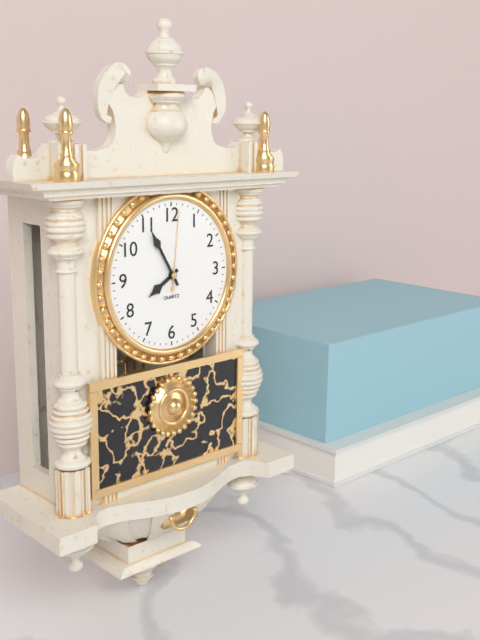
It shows 7.55.01
